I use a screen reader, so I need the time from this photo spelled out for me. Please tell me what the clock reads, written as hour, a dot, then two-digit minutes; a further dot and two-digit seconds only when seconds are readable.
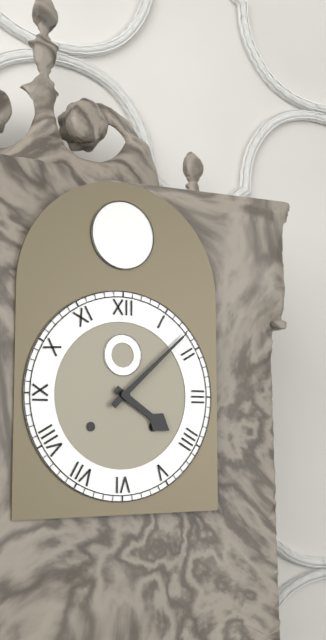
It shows 4.08
